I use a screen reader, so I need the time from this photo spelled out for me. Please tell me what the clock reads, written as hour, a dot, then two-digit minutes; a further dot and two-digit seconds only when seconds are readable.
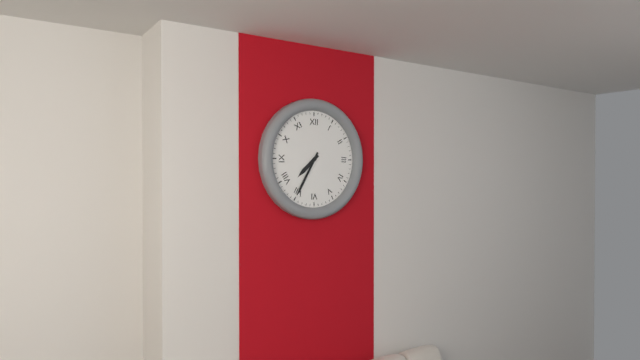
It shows 7.35
